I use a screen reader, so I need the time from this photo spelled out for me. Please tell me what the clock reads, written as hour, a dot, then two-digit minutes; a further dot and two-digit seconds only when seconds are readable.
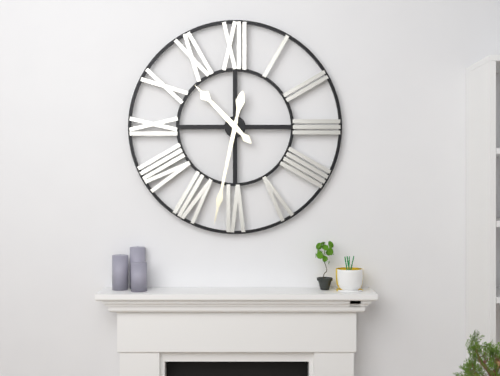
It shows 10.32
